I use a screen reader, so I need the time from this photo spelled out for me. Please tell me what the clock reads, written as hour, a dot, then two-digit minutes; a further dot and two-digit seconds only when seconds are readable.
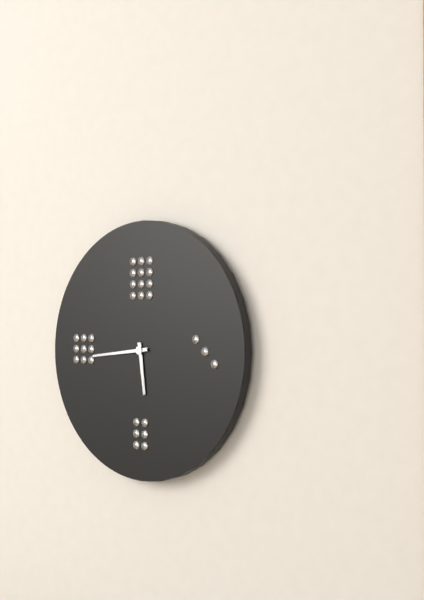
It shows 5.44
